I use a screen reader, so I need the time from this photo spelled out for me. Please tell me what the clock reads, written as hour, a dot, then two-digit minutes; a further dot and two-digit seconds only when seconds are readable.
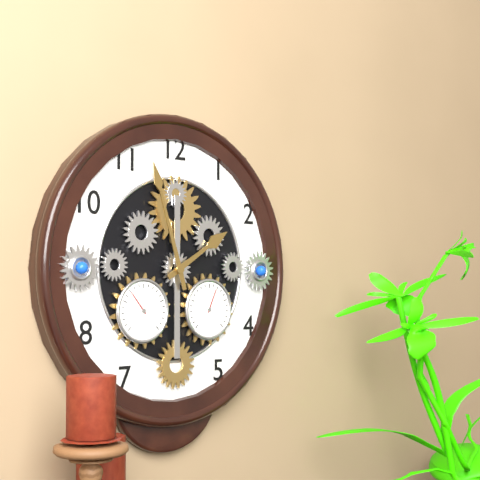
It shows 1.57
